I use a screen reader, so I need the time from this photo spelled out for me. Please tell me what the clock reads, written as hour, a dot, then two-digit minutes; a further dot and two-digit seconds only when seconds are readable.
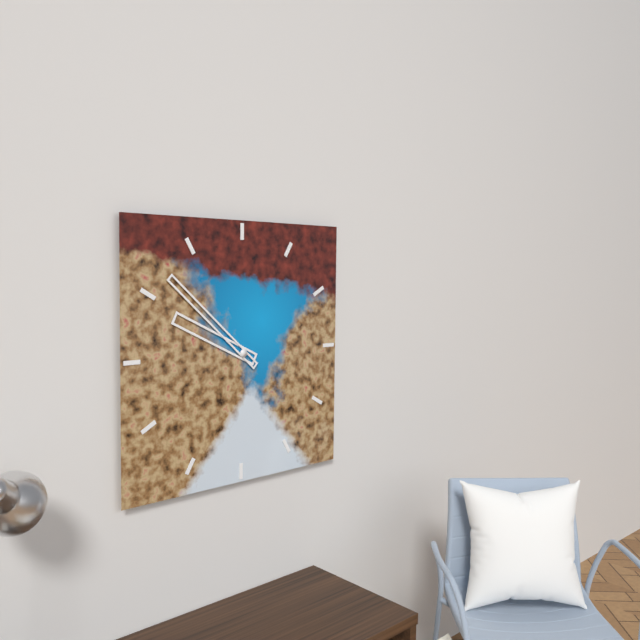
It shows 9.52
